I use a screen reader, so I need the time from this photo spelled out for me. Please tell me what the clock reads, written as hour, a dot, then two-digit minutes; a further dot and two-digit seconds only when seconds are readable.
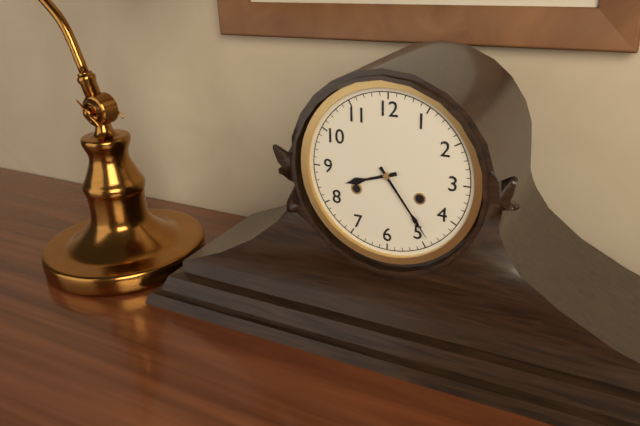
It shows 8.24
